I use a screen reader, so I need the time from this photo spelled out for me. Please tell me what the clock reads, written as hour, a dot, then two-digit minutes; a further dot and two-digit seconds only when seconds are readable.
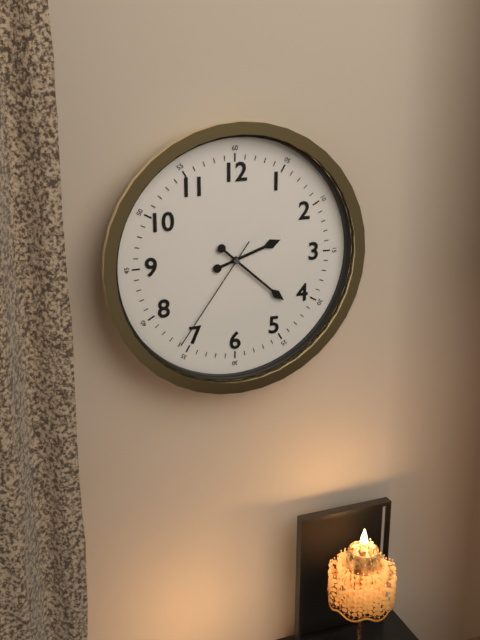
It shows 2.22.36
